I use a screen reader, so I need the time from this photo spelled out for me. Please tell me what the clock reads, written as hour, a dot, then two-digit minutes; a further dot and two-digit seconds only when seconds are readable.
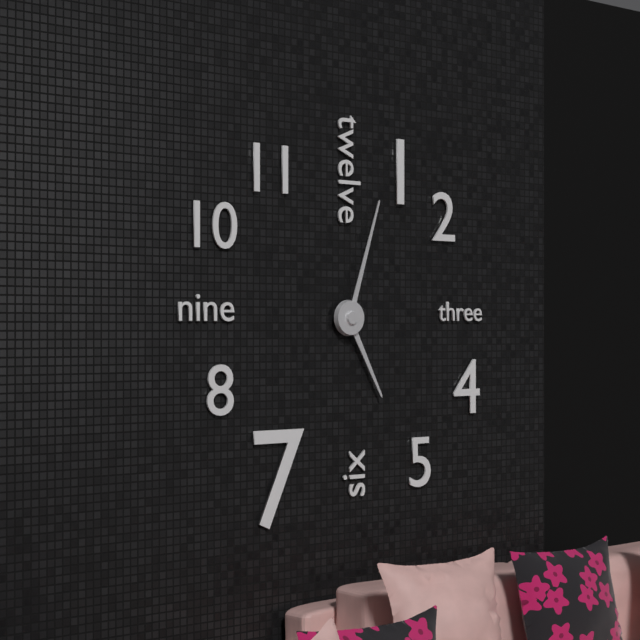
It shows 5.03
